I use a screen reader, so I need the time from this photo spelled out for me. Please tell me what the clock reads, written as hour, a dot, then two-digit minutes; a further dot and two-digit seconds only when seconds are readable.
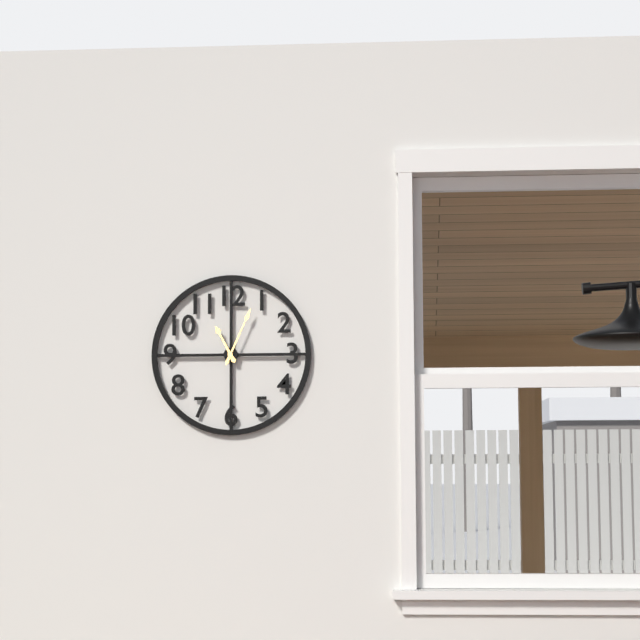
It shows 11.04
